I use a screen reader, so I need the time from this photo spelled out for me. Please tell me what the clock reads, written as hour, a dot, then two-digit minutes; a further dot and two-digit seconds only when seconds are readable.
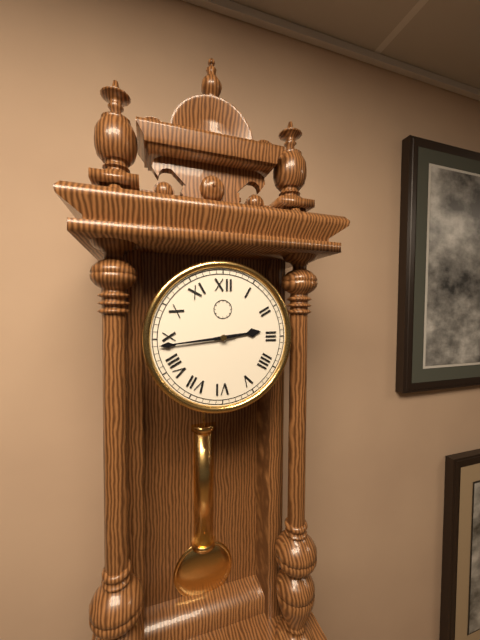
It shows 2.44
